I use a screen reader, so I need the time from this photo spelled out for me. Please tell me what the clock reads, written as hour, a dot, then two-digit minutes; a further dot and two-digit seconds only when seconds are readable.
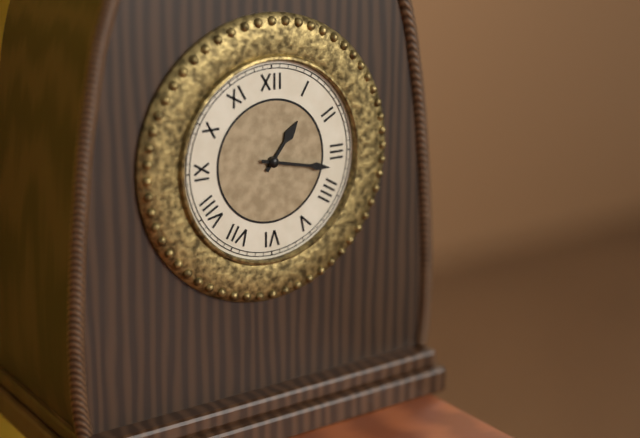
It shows 1.17
